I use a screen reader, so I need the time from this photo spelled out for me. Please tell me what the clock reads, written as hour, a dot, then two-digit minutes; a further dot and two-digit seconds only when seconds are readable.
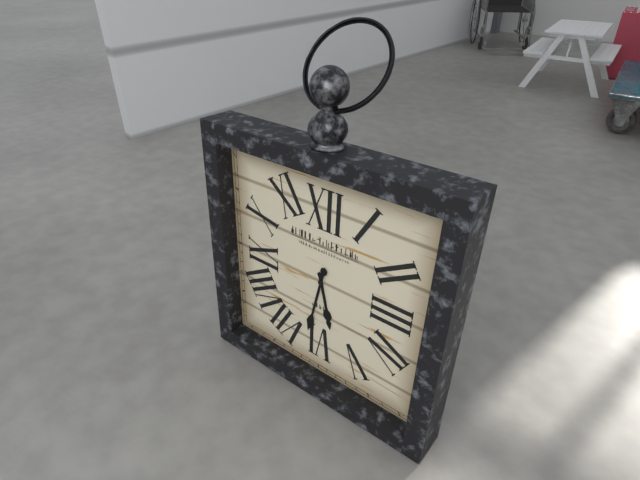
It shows 5.32
